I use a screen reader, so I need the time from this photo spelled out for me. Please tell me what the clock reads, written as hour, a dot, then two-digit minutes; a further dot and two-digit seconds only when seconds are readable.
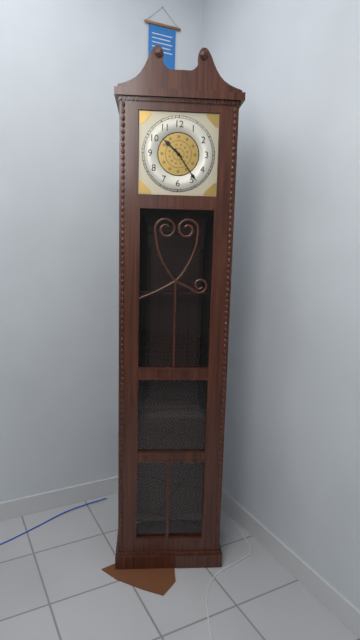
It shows 10.24
